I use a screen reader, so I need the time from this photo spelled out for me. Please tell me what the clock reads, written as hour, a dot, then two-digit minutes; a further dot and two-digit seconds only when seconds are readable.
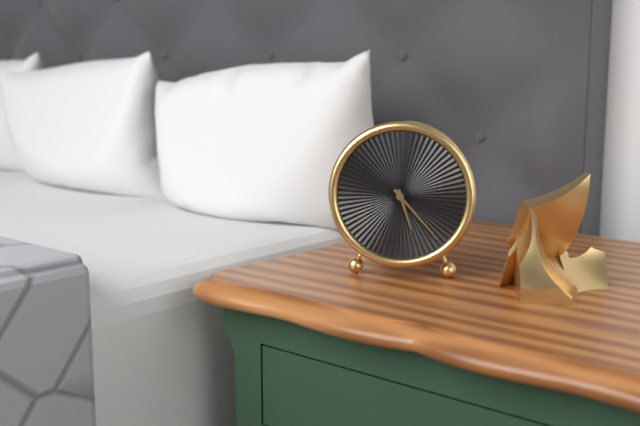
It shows 5.23
